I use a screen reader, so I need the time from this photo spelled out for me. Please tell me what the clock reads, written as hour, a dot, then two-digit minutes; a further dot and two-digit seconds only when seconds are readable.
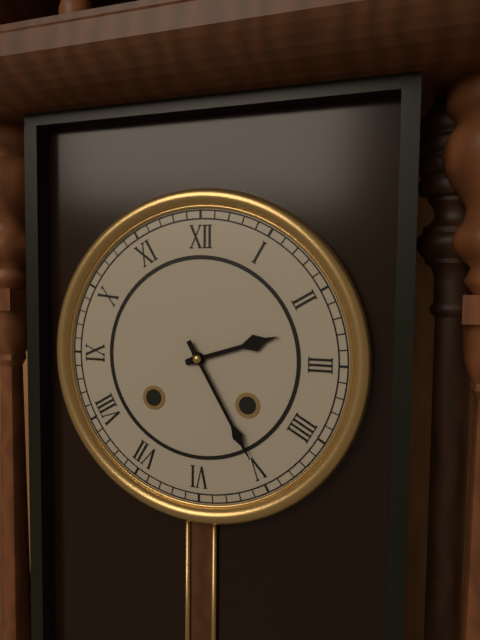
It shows 2.25
